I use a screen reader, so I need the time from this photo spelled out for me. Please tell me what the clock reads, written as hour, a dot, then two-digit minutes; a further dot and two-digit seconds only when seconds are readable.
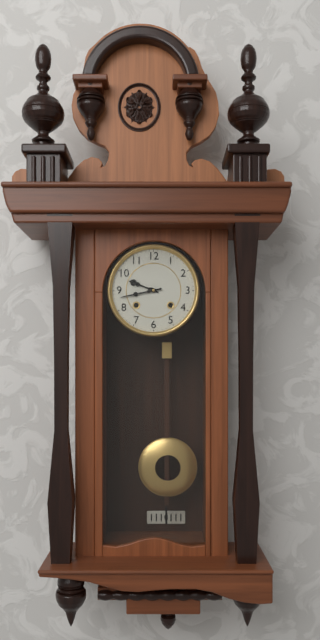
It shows 9.43
